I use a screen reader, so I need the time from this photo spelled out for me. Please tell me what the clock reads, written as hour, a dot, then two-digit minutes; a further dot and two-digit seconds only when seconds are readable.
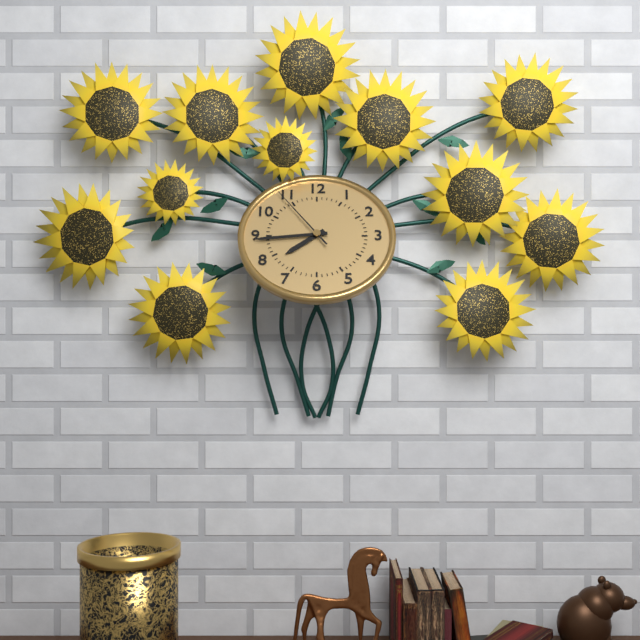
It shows 7.44.54
